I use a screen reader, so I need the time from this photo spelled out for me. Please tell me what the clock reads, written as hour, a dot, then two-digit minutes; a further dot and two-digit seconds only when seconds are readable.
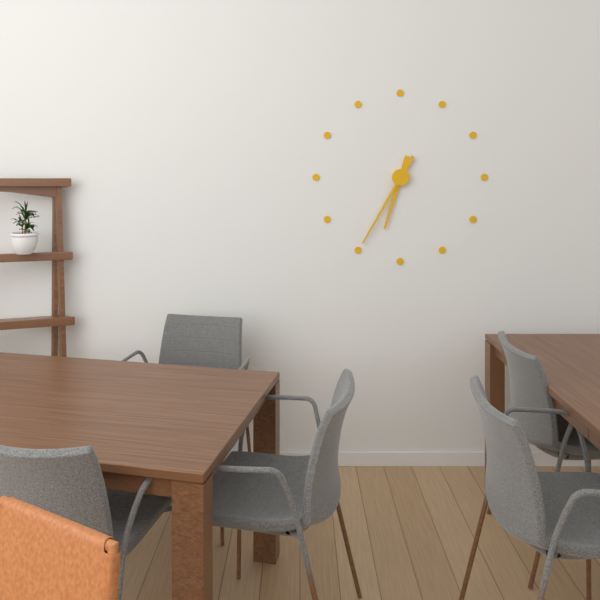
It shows 6.35
